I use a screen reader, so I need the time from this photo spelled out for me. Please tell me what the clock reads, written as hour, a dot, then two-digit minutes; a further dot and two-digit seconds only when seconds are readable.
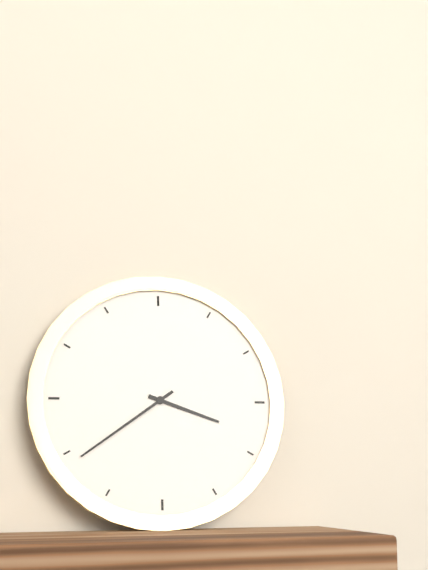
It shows 3.39
